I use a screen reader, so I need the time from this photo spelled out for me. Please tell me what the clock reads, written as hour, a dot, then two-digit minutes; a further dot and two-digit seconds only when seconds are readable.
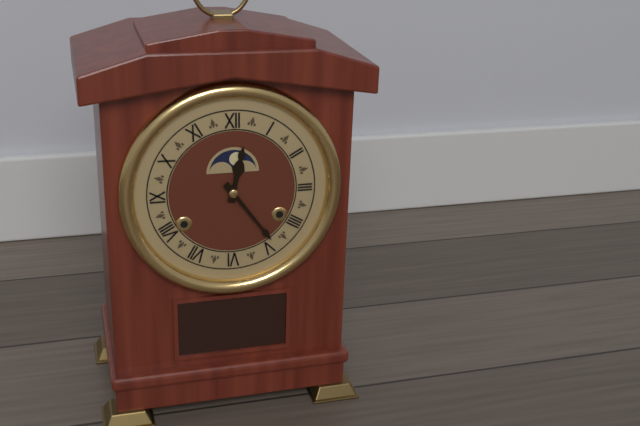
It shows 12.24
